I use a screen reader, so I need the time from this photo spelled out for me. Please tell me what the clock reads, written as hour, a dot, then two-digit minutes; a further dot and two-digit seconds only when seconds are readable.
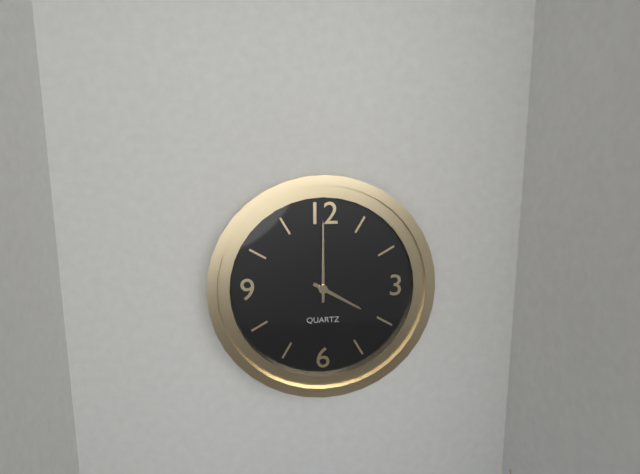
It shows 4.00
